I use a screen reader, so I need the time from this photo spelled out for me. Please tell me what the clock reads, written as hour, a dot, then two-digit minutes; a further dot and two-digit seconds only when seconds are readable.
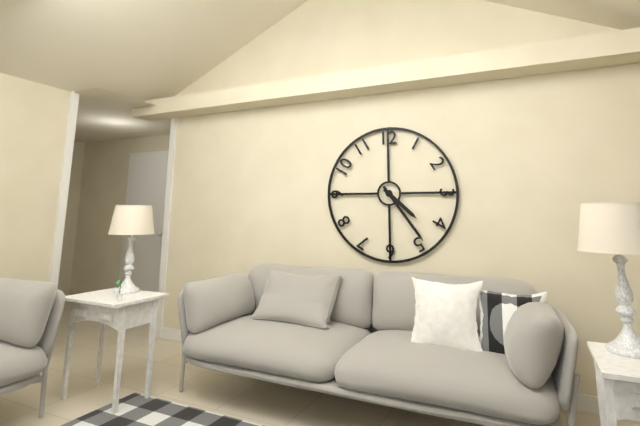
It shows 4.24
